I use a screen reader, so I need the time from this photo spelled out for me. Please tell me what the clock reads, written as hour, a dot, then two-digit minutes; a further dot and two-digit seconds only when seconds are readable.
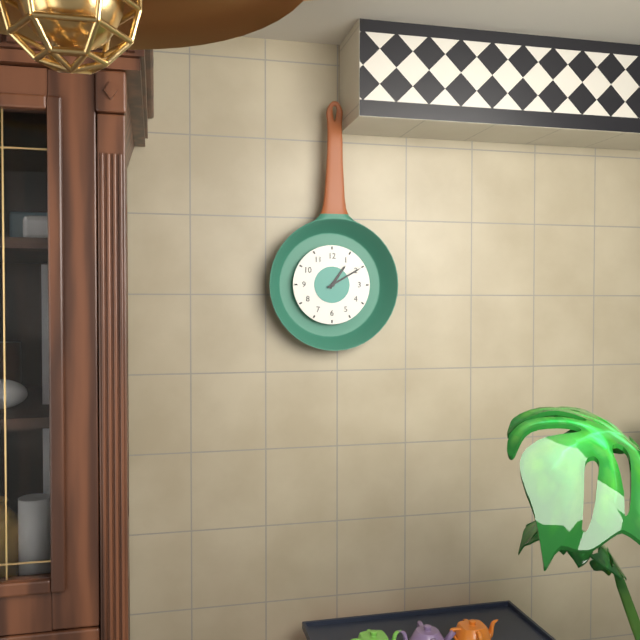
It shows 1.10
